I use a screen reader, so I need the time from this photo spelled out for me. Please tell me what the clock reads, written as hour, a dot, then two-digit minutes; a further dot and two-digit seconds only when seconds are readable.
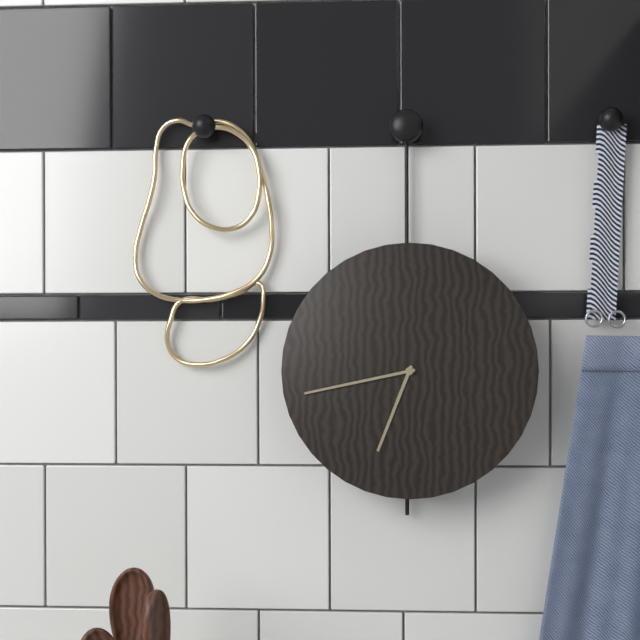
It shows 6.43
